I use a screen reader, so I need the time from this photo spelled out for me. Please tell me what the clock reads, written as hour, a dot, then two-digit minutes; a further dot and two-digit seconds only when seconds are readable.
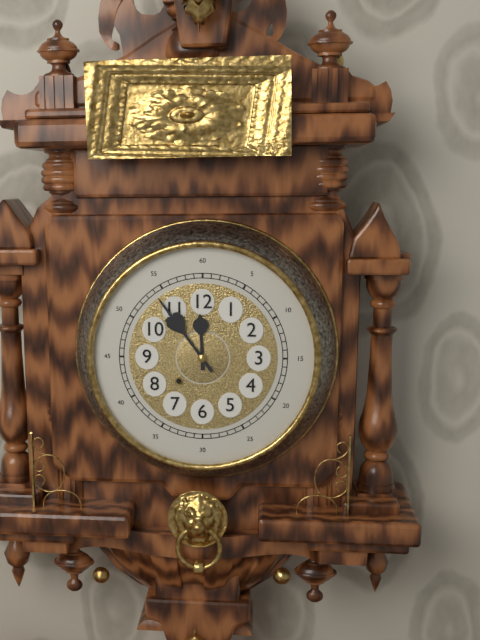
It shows 11.54
